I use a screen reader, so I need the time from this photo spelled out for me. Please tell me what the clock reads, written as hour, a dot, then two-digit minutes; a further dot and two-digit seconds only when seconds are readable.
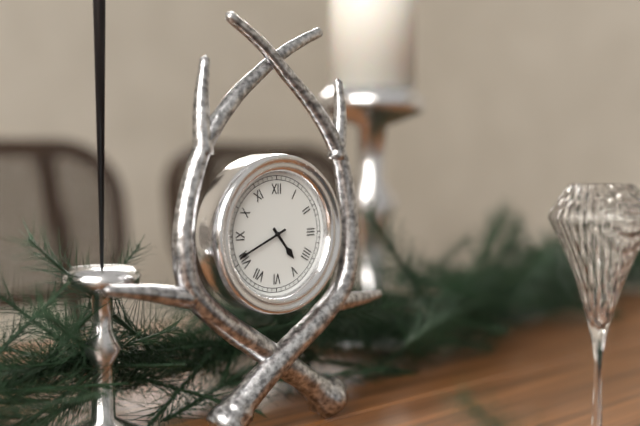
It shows 4.41
